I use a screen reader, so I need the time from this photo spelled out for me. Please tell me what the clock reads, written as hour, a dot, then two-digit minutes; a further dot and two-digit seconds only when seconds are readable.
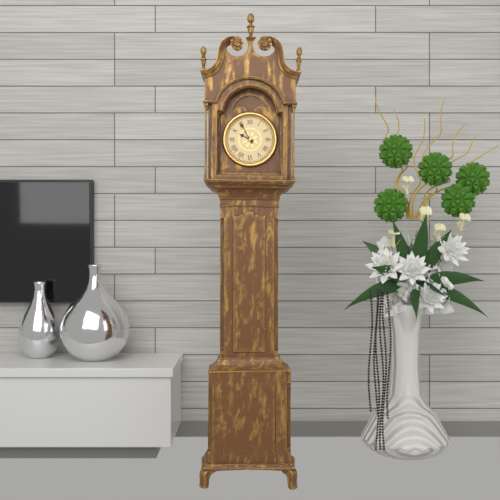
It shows 9.55
